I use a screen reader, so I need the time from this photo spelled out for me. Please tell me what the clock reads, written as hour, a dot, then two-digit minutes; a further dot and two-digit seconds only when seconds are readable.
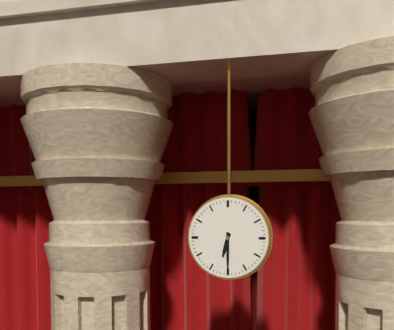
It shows 6.30
